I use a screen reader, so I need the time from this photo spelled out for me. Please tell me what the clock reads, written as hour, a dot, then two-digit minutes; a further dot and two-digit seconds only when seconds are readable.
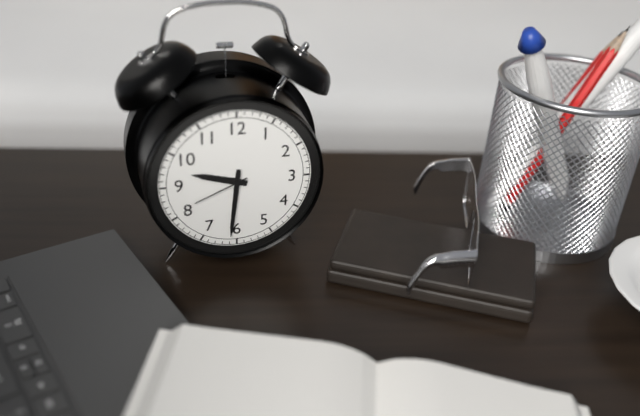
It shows 9.31.41
